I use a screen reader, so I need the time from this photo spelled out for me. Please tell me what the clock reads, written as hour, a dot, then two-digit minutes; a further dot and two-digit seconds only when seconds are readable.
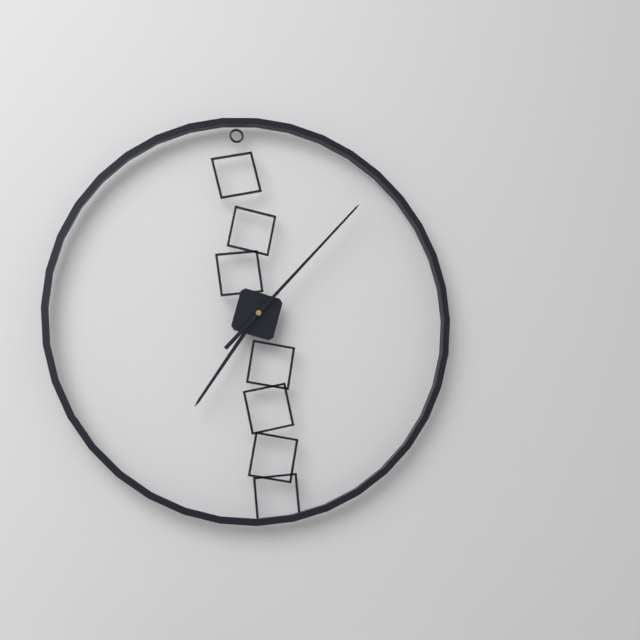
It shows 7.07
